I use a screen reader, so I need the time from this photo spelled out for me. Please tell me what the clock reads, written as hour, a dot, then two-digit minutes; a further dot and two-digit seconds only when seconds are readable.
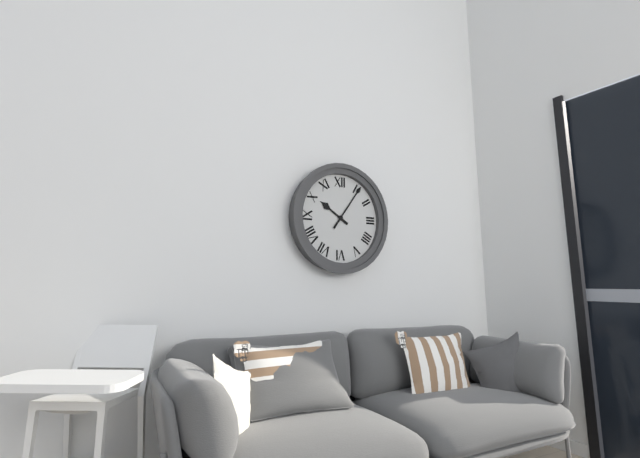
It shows 10.06
